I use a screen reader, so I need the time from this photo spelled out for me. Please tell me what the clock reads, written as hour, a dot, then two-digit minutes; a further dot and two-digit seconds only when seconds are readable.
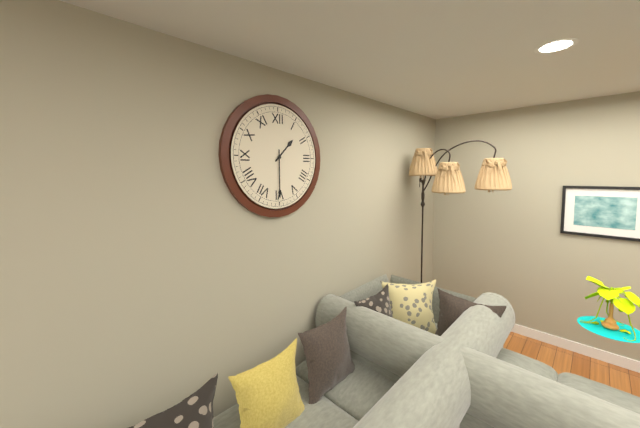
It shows 1.30
